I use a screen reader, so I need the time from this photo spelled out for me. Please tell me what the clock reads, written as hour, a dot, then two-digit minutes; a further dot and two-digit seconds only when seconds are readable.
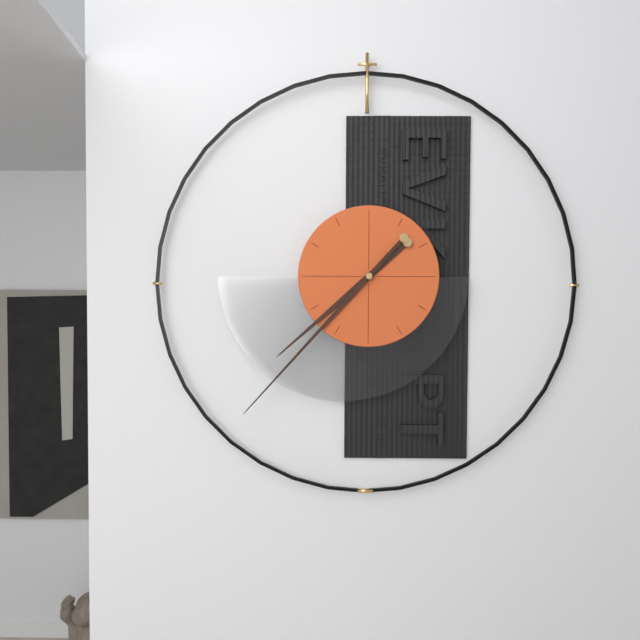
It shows 7.37
